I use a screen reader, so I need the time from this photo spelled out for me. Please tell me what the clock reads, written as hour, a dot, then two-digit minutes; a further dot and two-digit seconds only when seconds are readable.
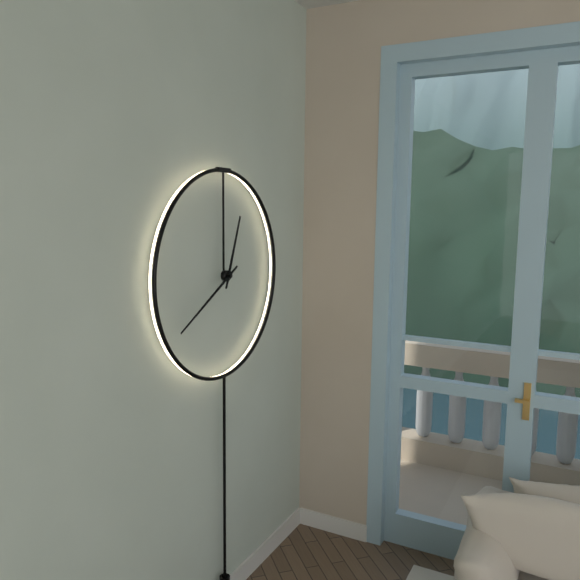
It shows 12.40
